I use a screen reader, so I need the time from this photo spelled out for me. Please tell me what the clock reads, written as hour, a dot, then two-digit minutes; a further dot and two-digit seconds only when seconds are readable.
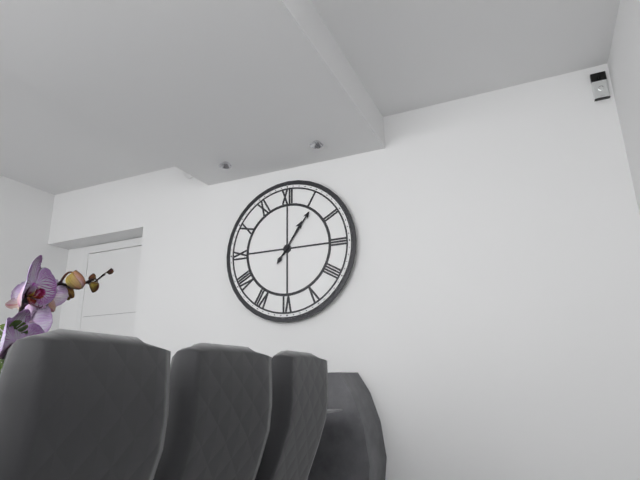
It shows 1.06
